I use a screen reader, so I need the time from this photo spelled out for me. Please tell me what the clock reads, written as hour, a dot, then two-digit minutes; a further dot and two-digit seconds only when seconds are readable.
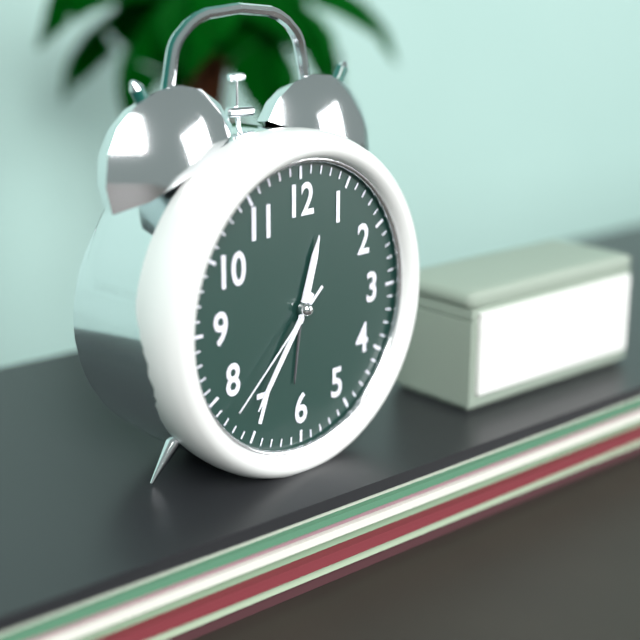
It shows 12.36.38
